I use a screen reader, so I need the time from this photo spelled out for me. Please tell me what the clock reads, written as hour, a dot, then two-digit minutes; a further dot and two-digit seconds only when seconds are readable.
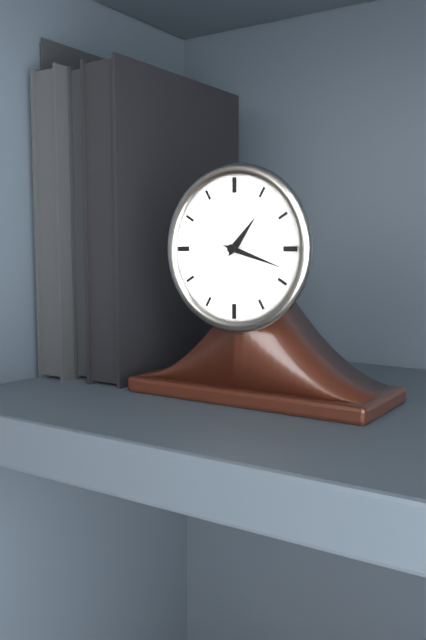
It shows 1.18
